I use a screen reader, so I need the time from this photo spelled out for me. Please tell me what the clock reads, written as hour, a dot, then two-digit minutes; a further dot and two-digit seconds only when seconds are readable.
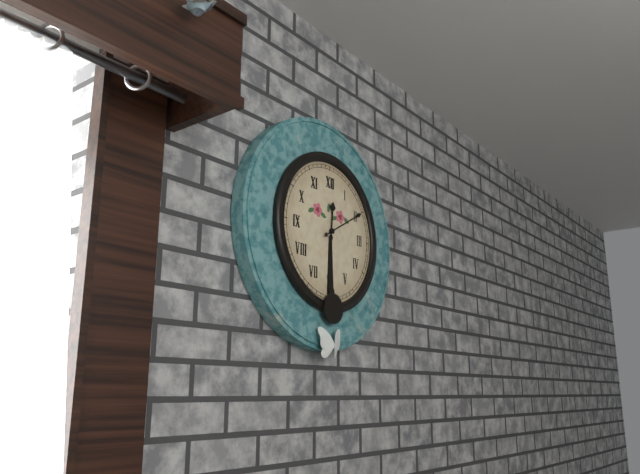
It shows 12.10
